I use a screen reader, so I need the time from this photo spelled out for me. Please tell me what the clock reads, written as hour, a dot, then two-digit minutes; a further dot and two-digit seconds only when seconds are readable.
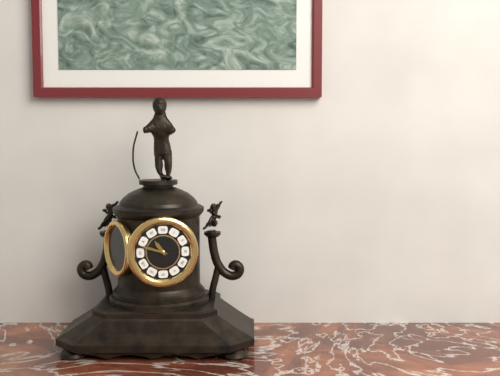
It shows 10.48
